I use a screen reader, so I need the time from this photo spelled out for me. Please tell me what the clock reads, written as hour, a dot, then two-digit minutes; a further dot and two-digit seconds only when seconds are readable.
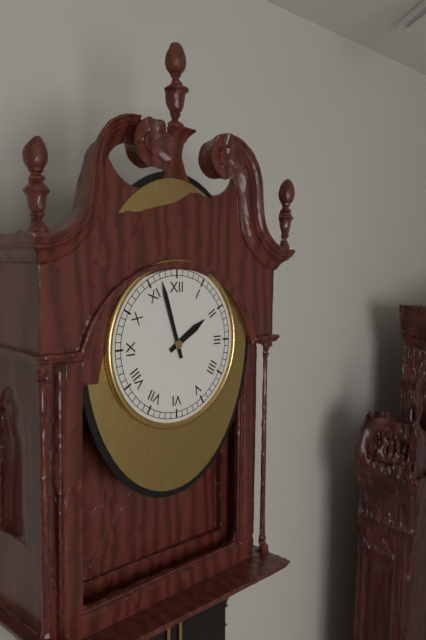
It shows 1.57
